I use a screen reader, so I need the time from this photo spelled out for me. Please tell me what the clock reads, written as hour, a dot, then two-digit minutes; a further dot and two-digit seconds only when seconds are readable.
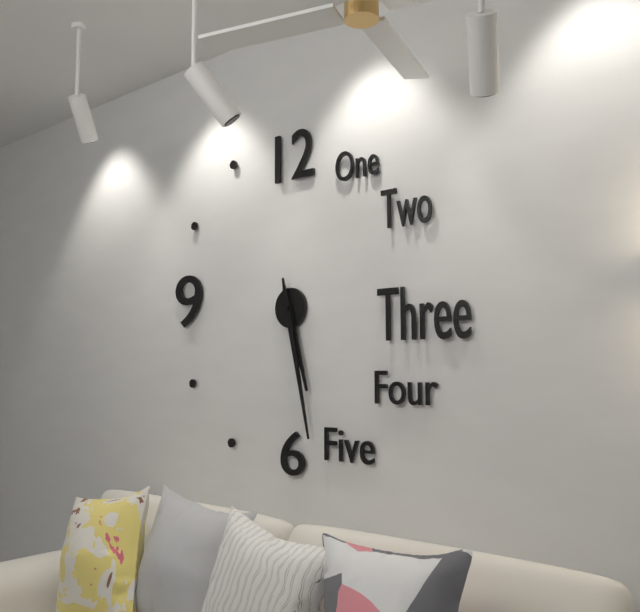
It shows 5.28
